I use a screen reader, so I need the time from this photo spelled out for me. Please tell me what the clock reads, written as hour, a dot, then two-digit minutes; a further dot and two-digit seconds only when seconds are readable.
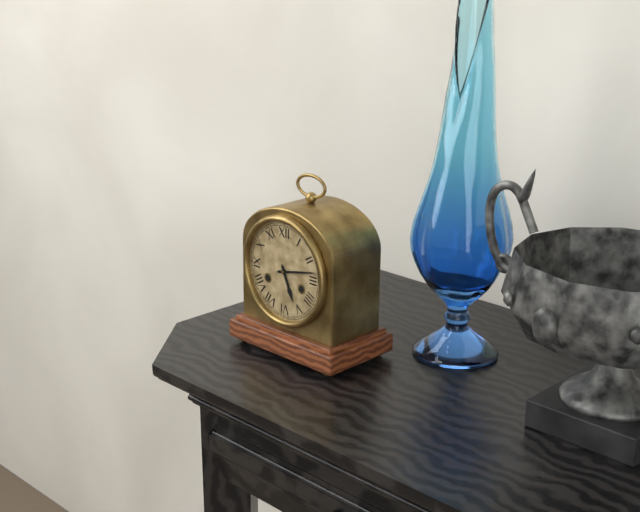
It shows 5.13
